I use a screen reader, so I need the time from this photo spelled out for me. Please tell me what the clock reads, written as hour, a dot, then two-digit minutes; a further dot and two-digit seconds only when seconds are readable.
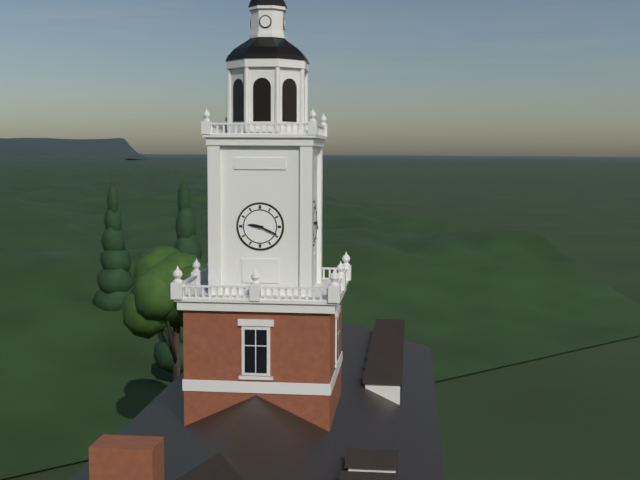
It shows 9.19
